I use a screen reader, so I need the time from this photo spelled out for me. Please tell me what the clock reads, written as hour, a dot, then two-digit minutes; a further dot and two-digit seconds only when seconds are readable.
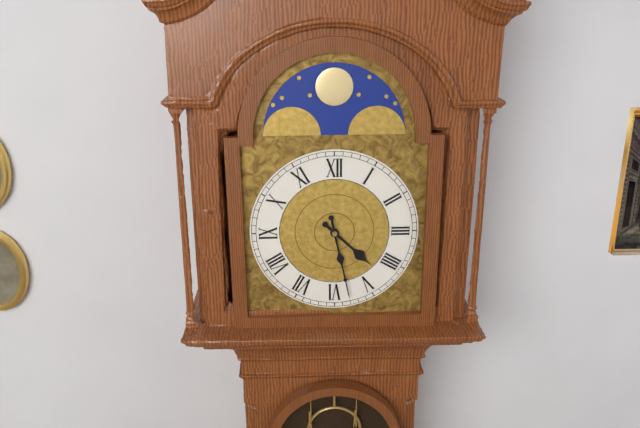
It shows 4.28
